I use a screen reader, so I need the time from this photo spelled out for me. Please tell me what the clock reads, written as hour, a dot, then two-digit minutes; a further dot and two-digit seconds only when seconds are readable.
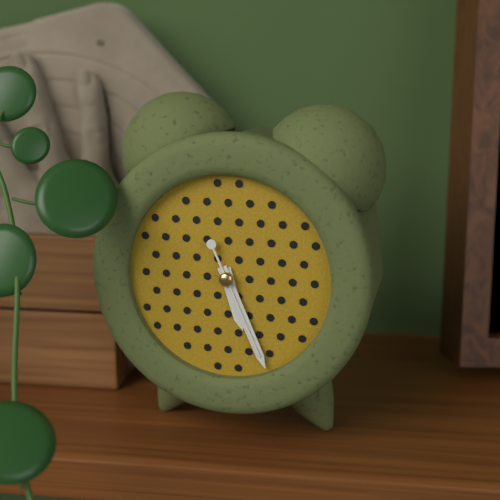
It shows 5.26.26
